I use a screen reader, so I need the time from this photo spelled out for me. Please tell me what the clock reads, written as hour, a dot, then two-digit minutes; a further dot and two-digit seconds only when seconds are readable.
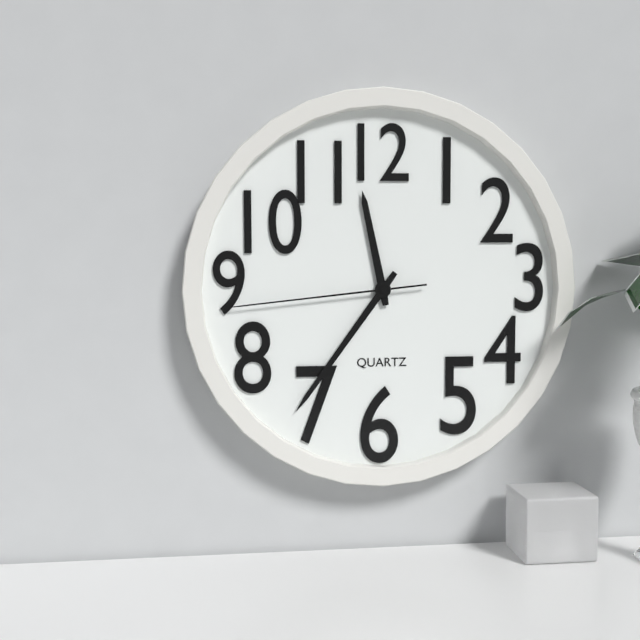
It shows 11.36.44
